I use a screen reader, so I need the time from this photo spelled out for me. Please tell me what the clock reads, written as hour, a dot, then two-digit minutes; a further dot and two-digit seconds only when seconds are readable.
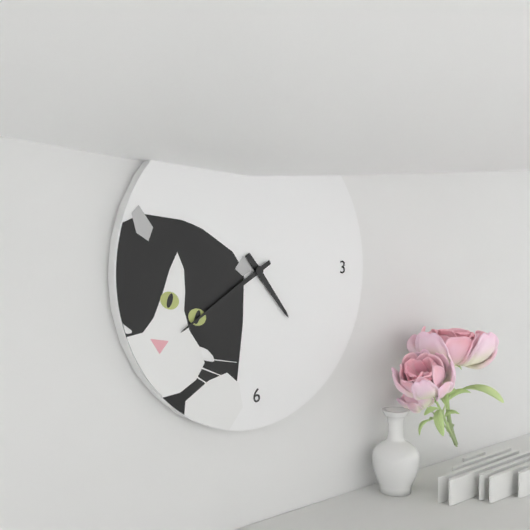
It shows 4.40
